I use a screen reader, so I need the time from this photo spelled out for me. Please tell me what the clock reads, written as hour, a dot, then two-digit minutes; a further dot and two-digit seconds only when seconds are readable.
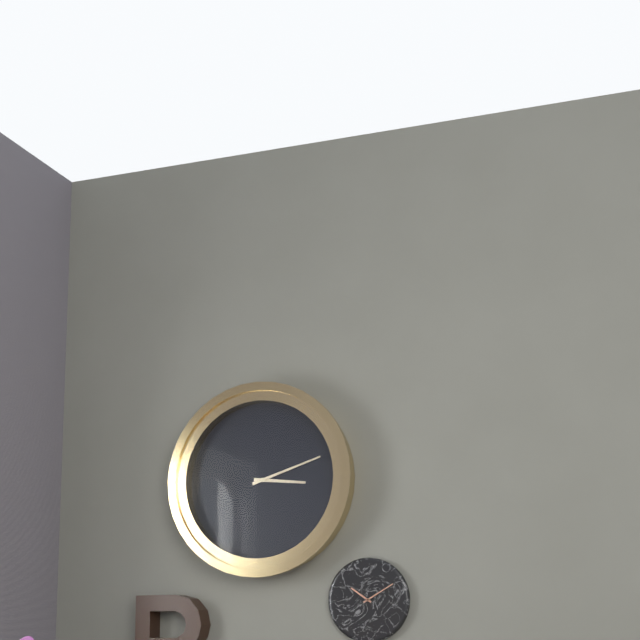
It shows 3.12
